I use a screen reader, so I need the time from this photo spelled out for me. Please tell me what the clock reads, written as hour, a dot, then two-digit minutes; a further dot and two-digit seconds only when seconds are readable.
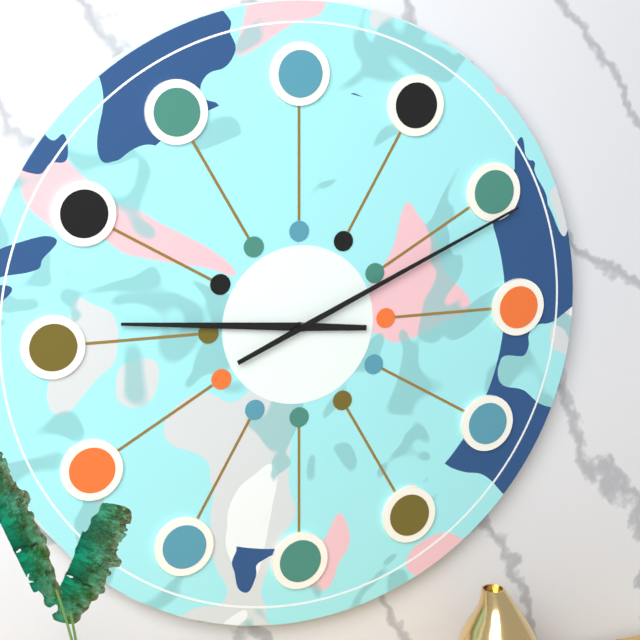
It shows 9.11
